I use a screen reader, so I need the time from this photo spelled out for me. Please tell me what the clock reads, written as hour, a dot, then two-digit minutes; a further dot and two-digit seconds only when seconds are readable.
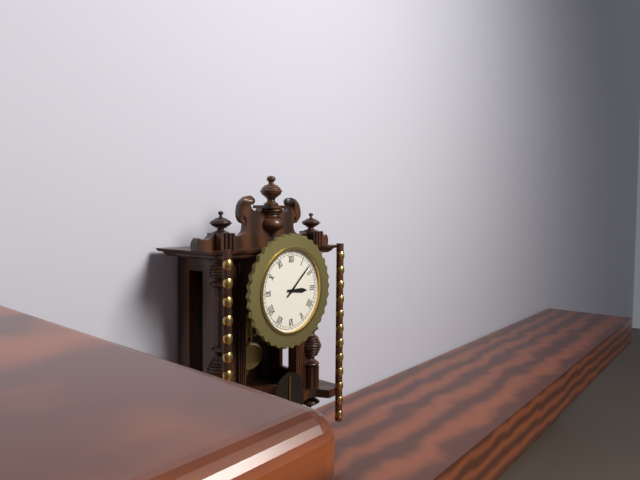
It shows 3.08
